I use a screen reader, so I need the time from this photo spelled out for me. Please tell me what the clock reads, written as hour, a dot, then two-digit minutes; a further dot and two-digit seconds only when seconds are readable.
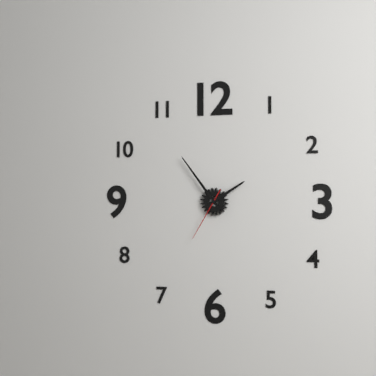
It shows 1.54.35
